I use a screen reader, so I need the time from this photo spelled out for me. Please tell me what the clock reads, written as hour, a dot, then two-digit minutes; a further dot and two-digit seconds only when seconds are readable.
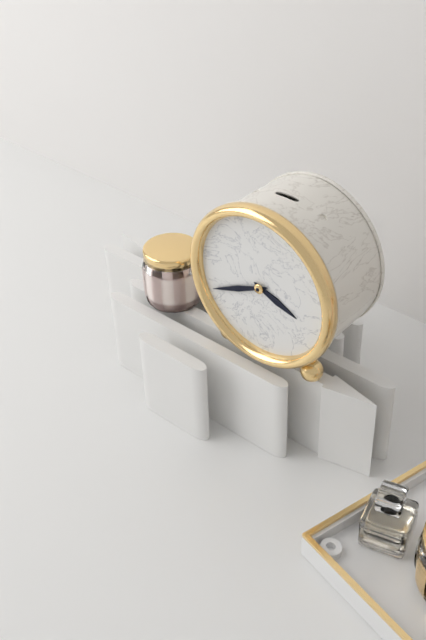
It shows 3.41
